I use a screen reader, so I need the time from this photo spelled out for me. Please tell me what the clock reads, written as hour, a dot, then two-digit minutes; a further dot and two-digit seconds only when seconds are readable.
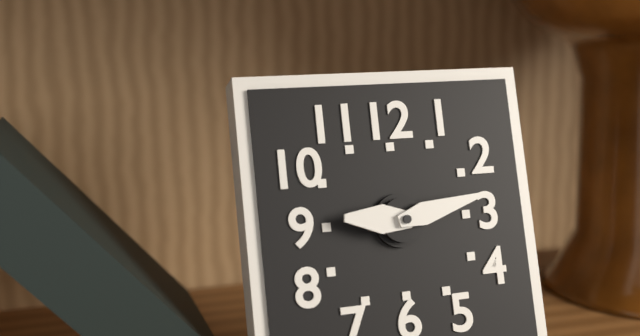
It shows 9.13
